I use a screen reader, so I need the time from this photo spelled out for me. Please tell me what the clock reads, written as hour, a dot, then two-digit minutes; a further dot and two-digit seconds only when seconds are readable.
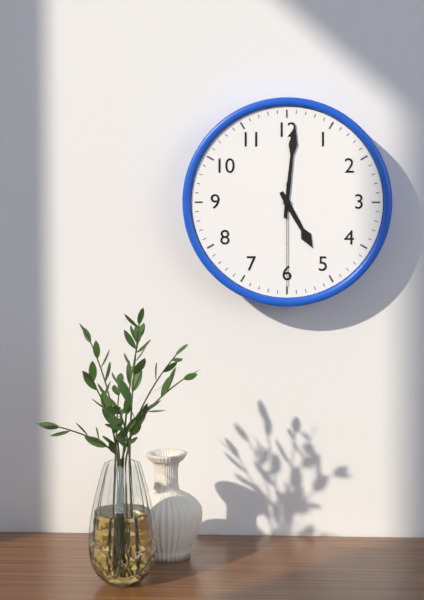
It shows 5.01.30
